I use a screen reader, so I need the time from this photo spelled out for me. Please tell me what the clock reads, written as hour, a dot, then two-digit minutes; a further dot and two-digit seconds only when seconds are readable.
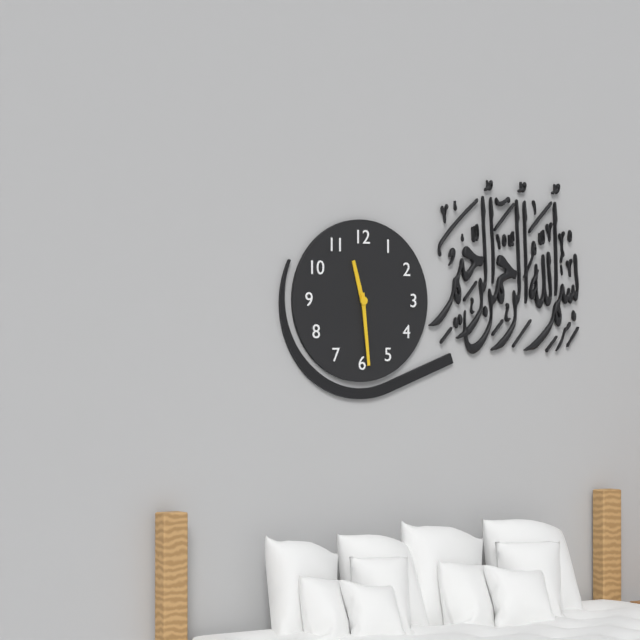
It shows 11.29
